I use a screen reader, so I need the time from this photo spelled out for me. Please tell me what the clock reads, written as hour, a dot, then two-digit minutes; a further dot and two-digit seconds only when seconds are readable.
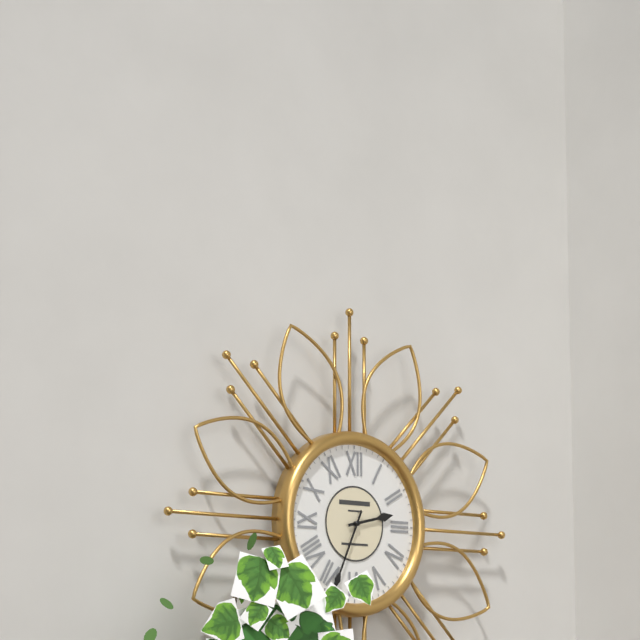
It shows 2.34
